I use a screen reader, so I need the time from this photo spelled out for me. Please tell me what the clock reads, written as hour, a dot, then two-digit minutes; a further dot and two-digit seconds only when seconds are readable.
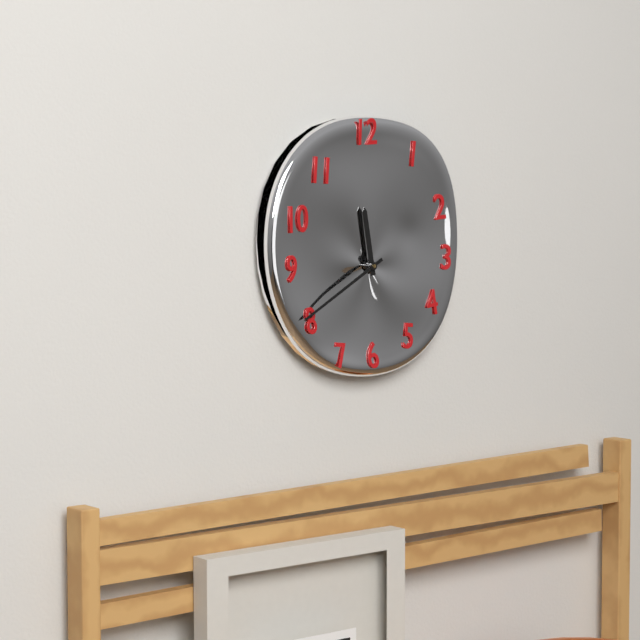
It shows 11.40
